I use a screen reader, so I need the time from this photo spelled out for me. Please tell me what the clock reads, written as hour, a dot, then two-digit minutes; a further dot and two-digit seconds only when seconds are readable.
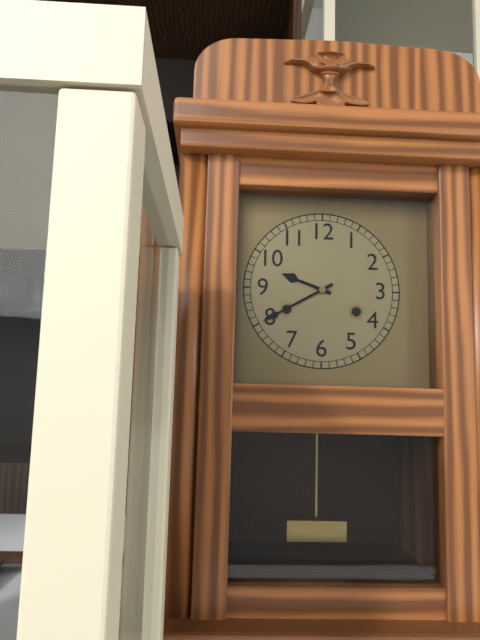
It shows 9.40
